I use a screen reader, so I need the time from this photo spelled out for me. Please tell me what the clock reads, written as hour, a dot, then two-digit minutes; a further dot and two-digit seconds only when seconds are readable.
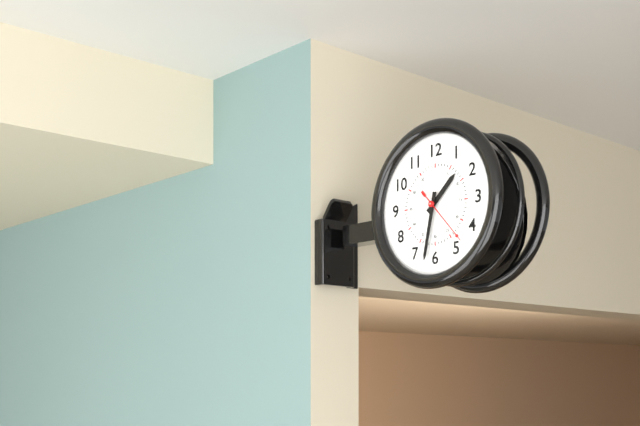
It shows 1.32.23
